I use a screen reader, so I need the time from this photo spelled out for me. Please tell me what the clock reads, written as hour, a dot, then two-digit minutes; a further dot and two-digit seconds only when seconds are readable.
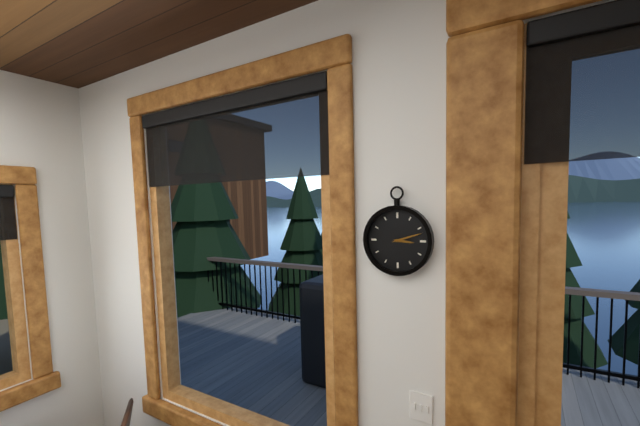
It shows 3.12
